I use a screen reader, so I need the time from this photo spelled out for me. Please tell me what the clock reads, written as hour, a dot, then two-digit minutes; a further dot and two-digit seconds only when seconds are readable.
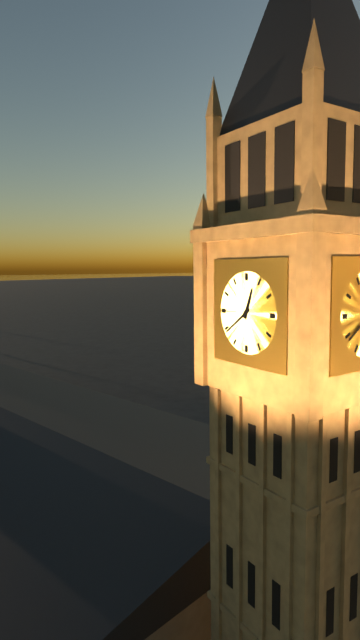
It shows 12.39
